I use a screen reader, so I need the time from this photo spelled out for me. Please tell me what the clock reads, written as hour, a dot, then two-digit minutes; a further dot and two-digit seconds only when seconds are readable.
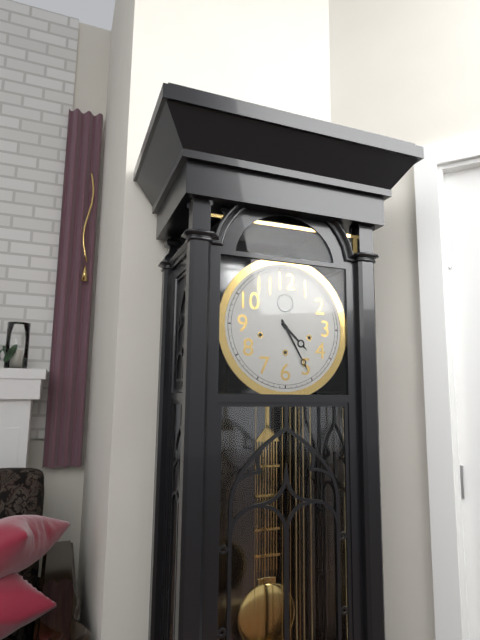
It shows 4.25
